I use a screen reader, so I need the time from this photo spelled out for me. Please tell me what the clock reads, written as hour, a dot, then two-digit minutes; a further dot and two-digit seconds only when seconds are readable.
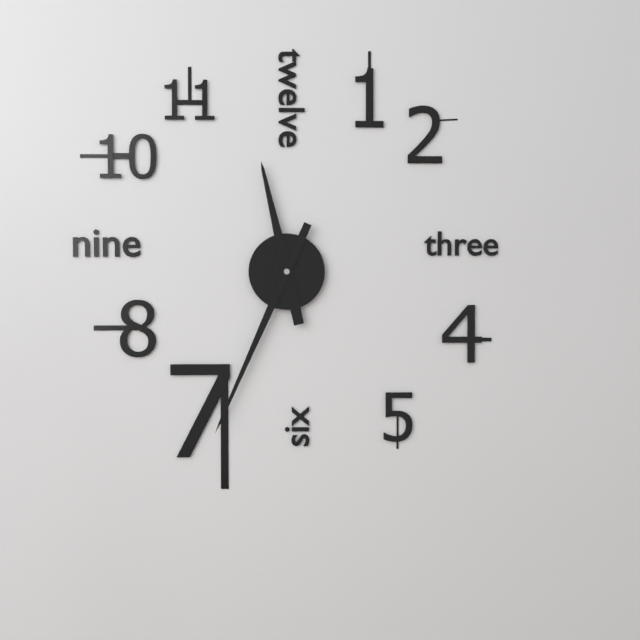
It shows 11.34
